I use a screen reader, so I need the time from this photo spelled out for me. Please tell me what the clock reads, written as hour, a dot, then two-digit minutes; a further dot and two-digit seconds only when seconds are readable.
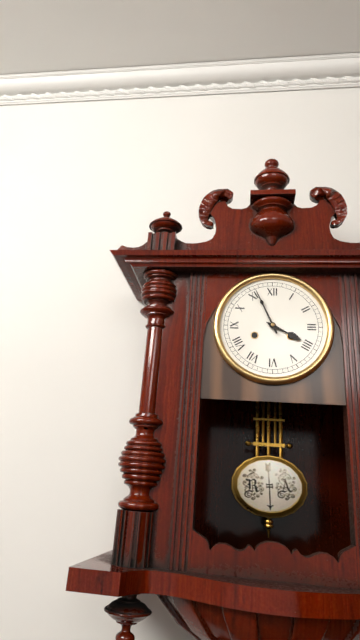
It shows 3.56
